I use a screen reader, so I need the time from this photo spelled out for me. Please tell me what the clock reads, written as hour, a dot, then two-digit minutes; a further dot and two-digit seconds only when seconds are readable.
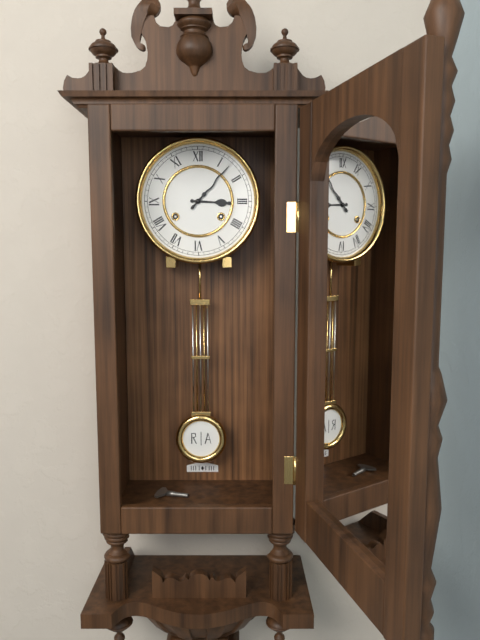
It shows 3.07
